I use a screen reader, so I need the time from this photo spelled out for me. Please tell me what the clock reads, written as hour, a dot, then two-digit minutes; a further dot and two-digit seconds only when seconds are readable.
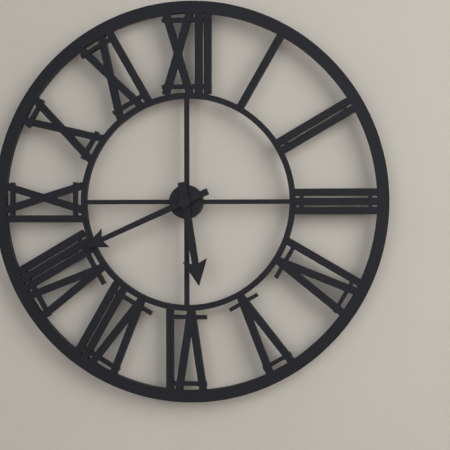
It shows 5.41
